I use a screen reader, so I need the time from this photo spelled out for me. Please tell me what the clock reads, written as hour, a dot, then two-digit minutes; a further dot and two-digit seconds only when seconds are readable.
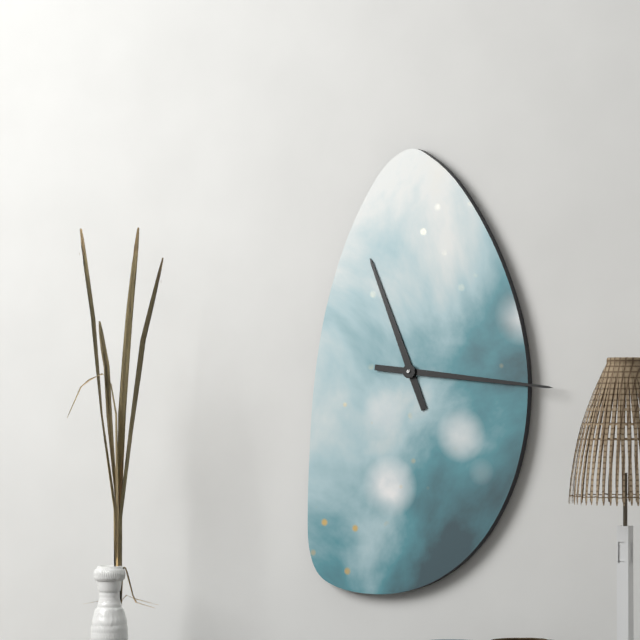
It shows 11.16
